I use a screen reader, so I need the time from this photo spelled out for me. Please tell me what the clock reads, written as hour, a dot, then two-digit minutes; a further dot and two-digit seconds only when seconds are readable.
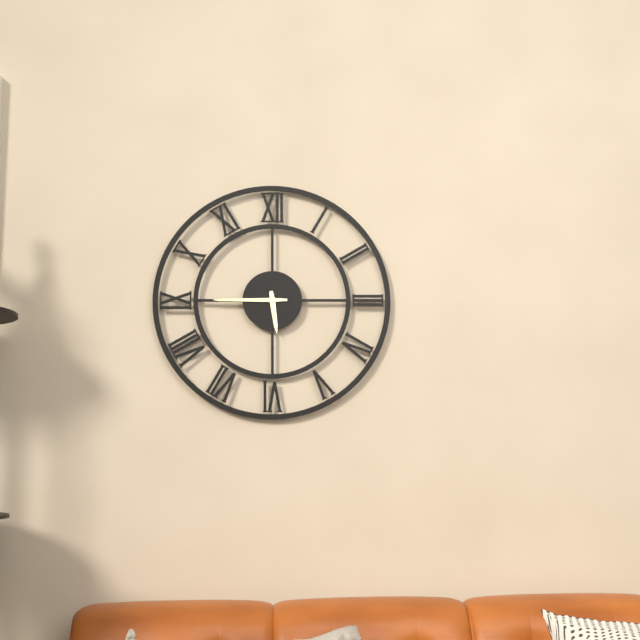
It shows 5.45
